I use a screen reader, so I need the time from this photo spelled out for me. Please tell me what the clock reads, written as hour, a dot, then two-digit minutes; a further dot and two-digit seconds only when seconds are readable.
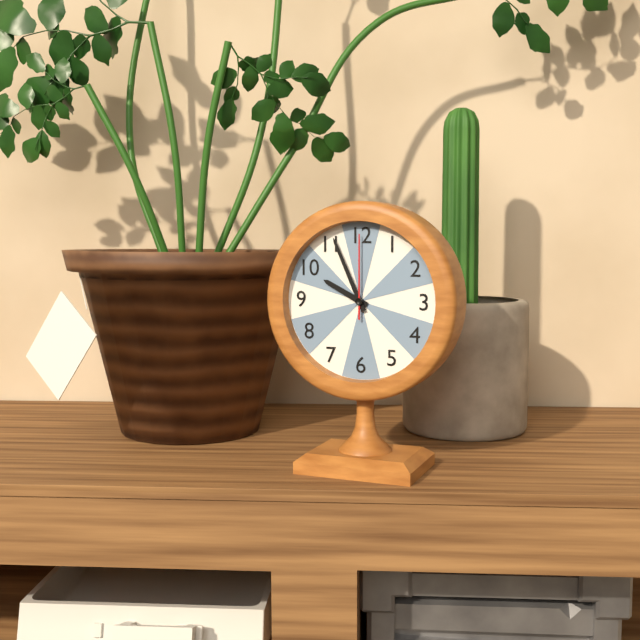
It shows 9.56.00
